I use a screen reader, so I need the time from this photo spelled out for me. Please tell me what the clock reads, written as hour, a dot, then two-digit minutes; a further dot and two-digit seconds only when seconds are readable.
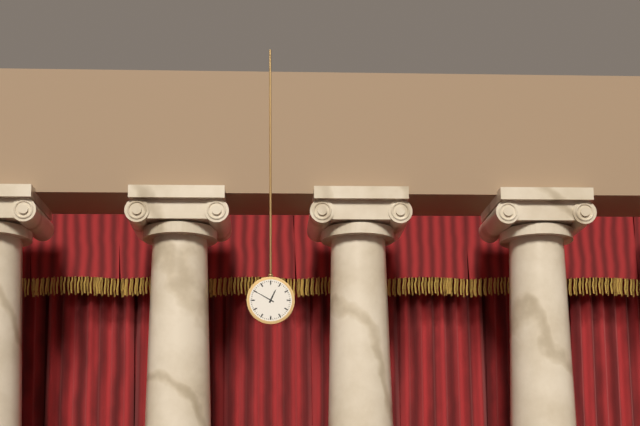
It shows 12.50
